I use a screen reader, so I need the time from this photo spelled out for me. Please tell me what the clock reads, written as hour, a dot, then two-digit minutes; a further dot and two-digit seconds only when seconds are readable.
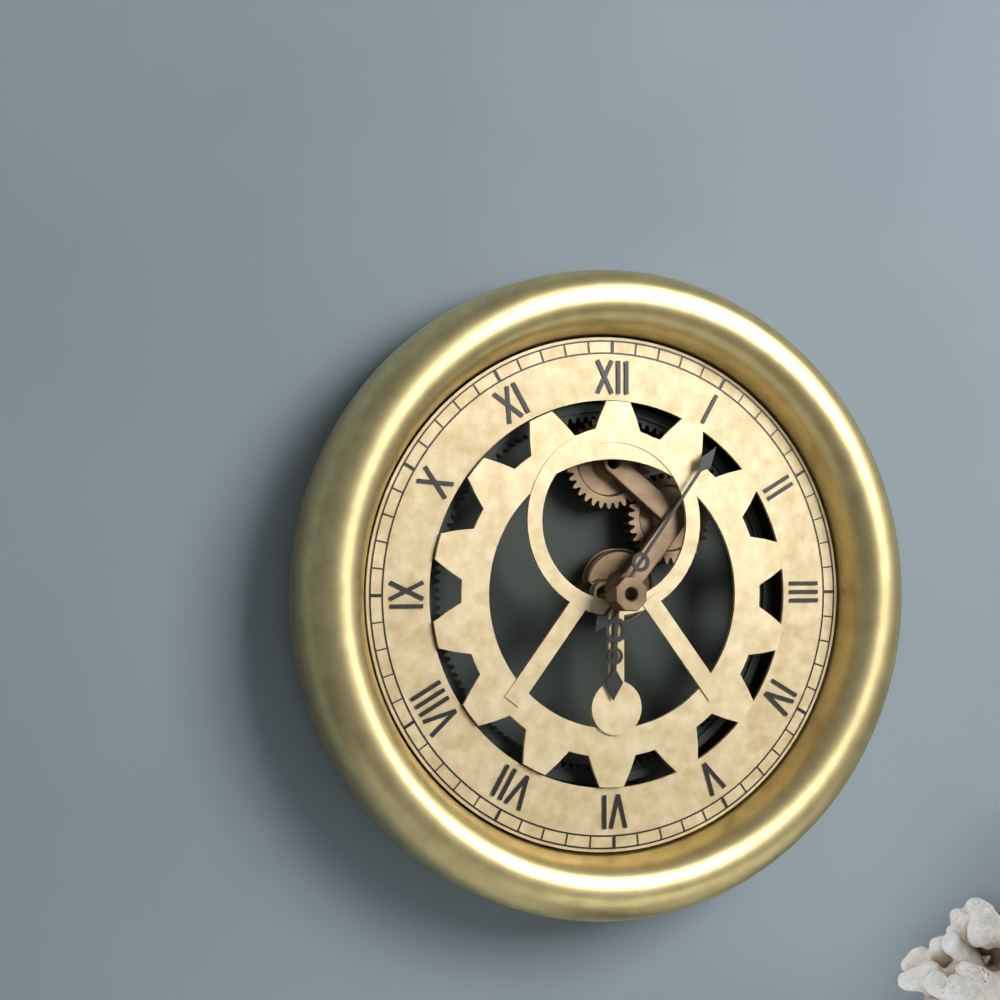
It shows 6.06
